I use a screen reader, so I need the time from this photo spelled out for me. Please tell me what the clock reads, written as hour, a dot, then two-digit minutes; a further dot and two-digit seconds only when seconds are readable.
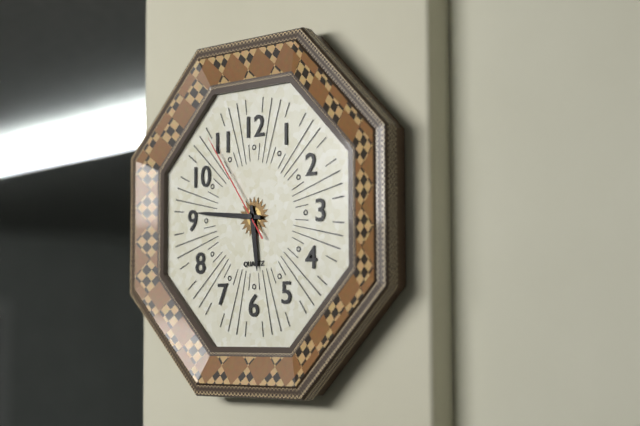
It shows 5.46.54
